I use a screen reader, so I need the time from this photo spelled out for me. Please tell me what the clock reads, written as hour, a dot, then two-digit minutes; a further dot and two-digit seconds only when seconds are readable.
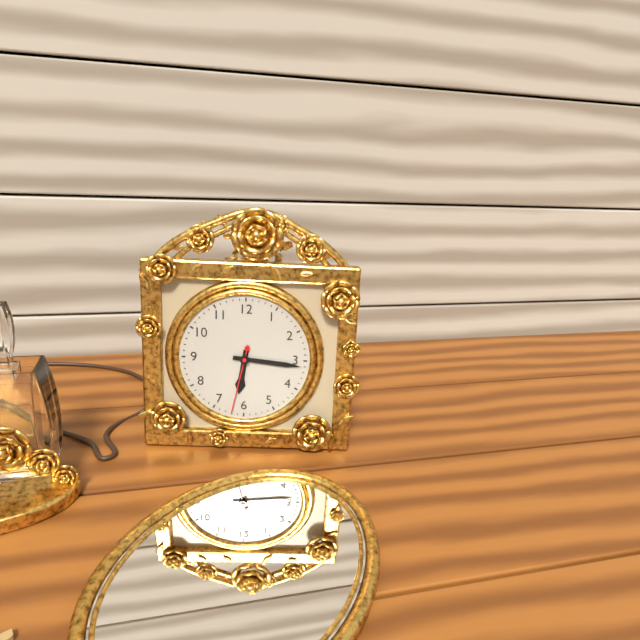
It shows 6.16.32
